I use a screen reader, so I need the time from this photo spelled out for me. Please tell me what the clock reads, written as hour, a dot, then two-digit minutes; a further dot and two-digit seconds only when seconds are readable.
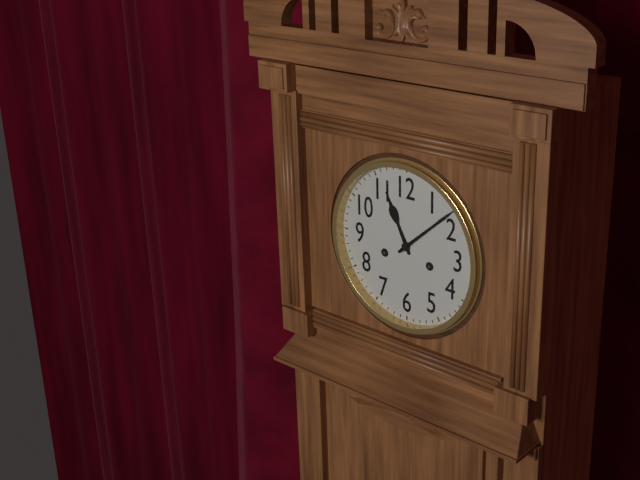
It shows 11.08
